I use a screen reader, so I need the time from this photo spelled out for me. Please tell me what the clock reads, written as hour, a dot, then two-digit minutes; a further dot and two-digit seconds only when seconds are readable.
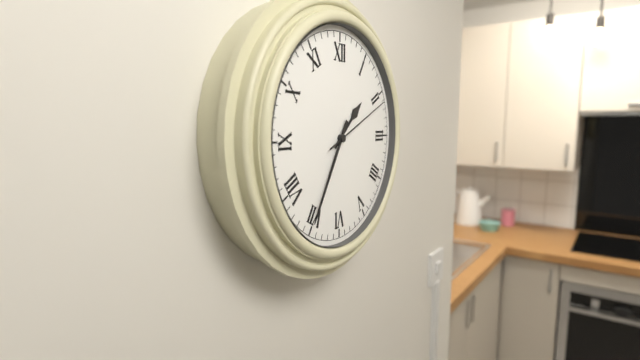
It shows 1.35.11
